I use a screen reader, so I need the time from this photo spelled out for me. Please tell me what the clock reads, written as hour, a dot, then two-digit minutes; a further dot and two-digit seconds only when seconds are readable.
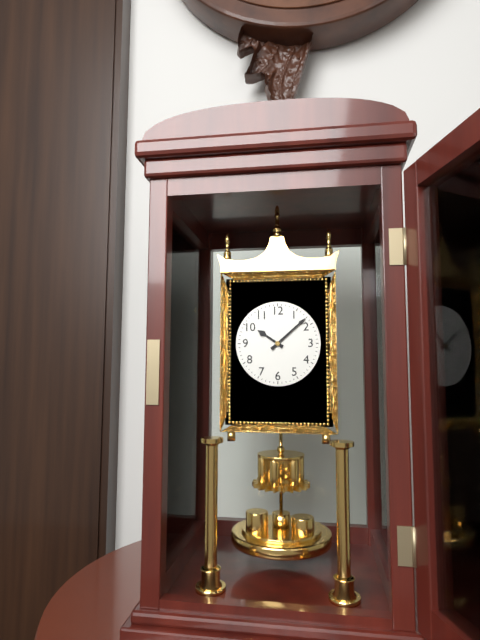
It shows 10.08
